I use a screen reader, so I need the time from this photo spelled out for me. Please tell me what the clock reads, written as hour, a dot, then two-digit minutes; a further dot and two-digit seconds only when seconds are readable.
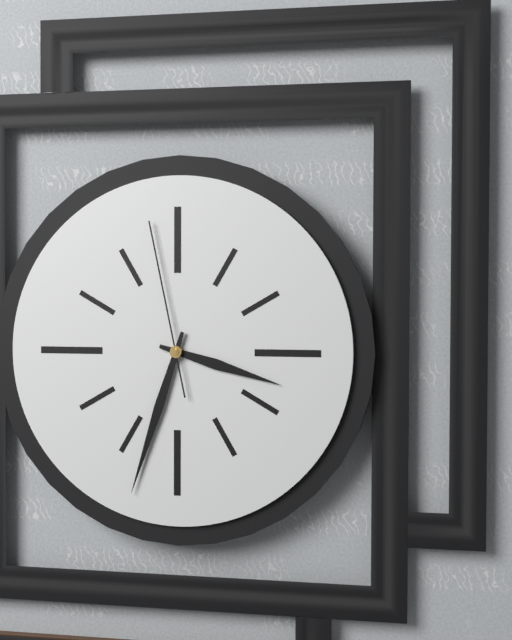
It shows 3.33.58
